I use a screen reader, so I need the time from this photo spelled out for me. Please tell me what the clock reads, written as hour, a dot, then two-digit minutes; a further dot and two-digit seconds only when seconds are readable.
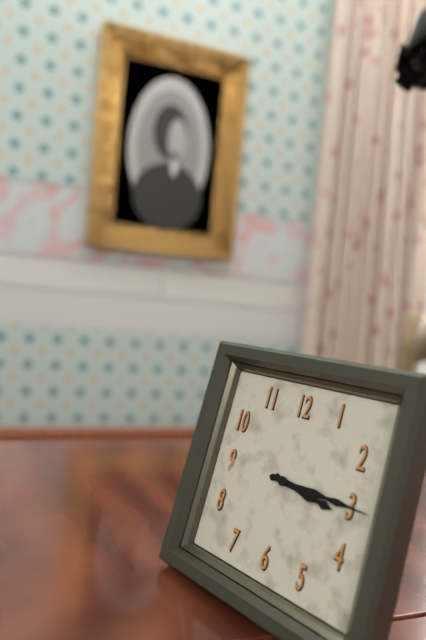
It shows 3.15
